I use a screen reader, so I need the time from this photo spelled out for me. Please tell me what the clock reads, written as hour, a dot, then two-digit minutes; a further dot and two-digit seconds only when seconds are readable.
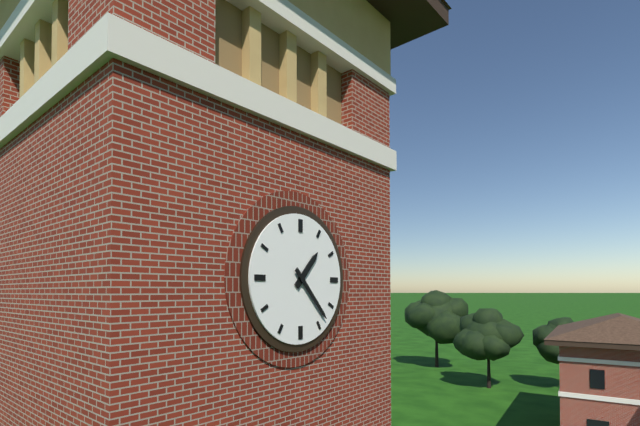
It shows 1.23
